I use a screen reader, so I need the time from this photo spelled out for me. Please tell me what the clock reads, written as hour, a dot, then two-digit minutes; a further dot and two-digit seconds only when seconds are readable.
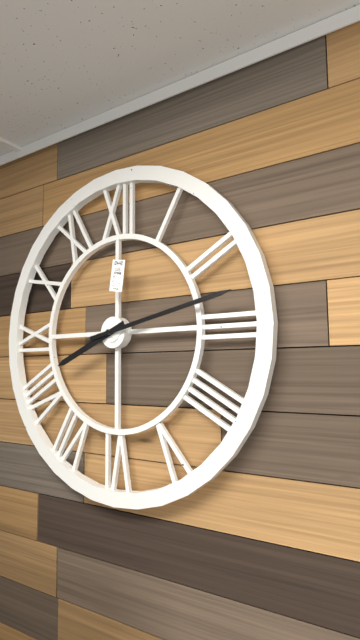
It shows 8.13
